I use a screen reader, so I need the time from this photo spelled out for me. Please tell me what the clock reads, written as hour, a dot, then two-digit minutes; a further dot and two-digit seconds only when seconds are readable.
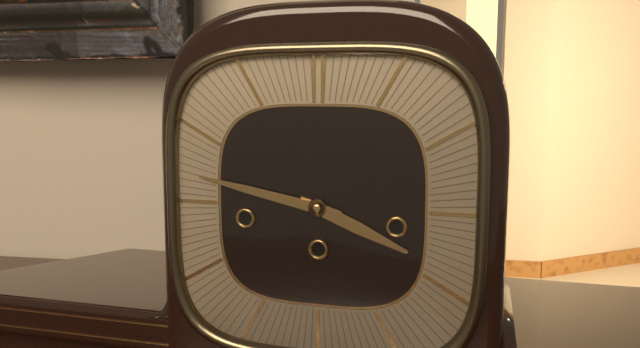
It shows 3.47
